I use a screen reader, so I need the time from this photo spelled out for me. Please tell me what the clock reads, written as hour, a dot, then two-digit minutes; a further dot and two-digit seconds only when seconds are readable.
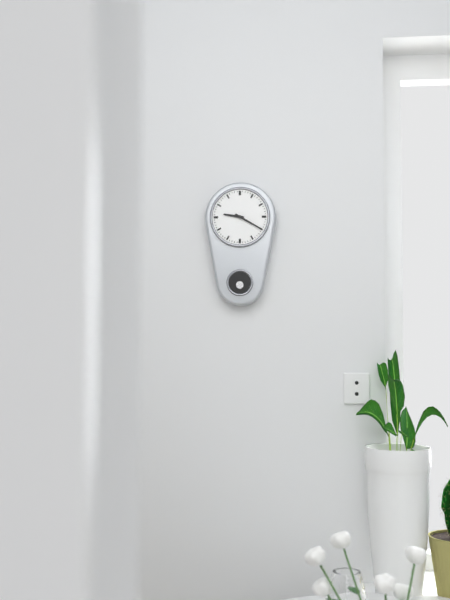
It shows 9.20
